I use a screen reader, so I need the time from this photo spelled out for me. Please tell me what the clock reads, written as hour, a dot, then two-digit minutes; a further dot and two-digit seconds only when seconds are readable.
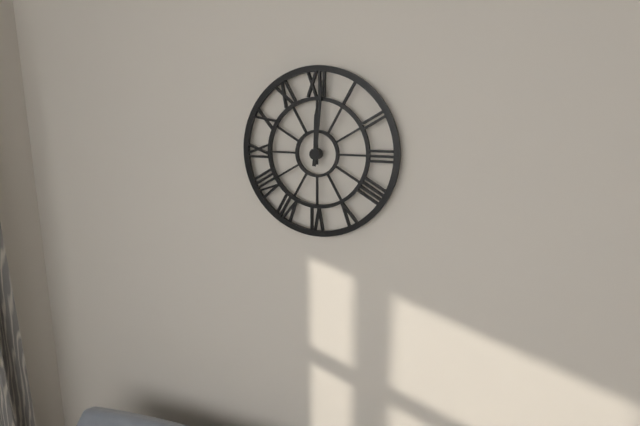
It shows 12.01
